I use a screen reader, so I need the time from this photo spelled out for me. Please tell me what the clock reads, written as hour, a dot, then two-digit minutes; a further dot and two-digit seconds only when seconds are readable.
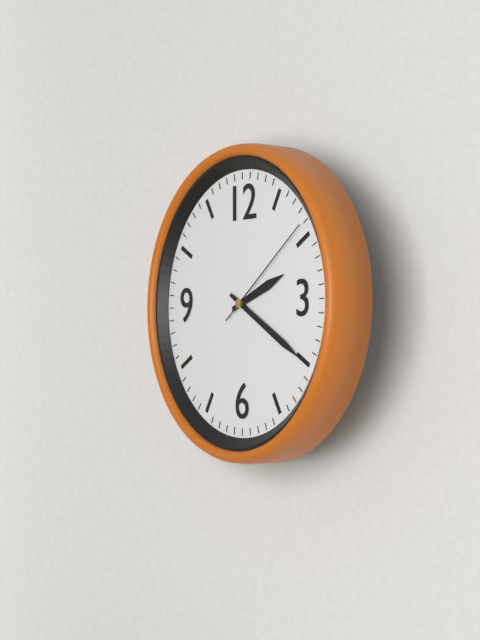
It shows 2.20.09
